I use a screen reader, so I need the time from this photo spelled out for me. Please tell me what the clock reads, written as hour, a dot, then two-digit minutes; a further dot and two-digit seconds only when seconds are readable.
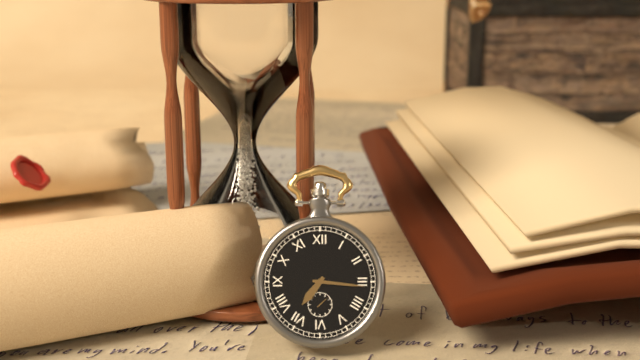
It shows 7.16
